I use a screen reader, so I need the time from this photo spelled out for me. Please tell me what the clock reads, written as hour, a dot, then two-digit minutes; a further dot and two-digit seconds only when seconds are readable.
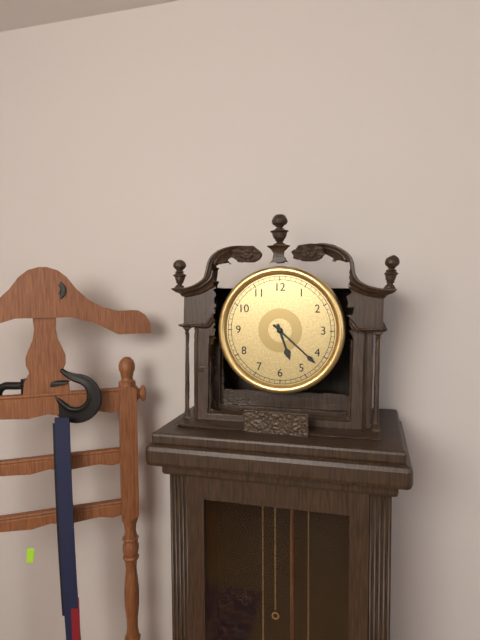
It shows 5.22
